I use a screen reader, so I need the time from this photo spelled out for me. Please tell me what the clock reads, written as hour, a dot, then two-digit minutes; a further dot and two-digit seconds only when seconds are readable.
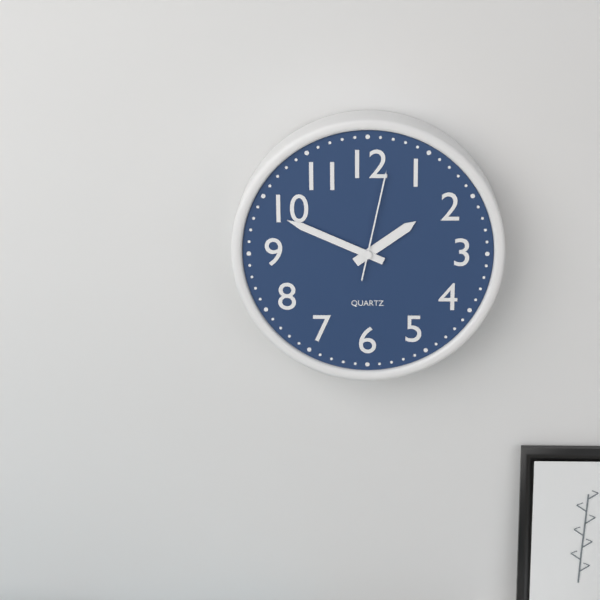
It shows 1.49.02
